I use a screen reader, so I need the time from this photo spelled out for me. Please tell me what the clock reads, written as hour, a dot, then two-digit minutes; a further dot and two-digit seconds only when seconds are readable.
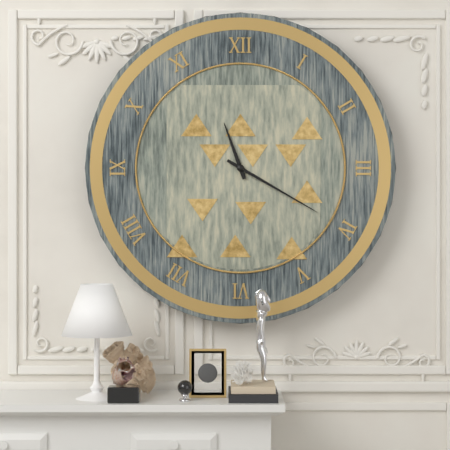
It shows 11.20
